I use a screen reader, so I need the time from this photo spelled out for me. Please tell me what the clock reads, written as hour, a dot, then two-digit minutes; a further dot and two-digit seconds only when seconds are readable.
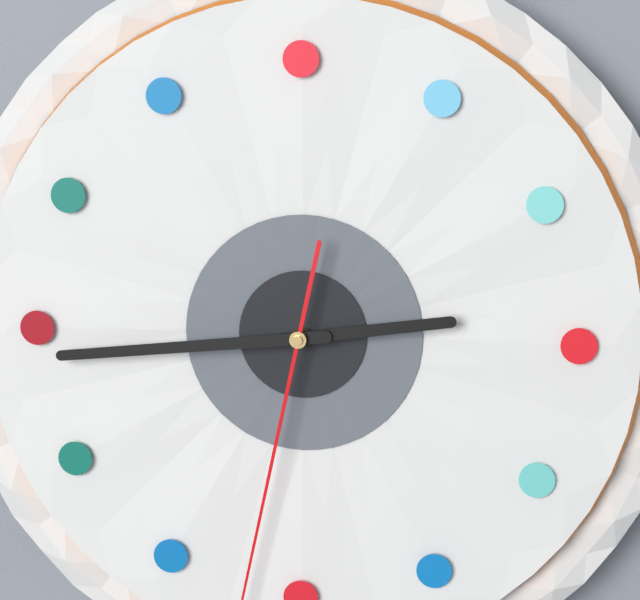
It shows 2.44
